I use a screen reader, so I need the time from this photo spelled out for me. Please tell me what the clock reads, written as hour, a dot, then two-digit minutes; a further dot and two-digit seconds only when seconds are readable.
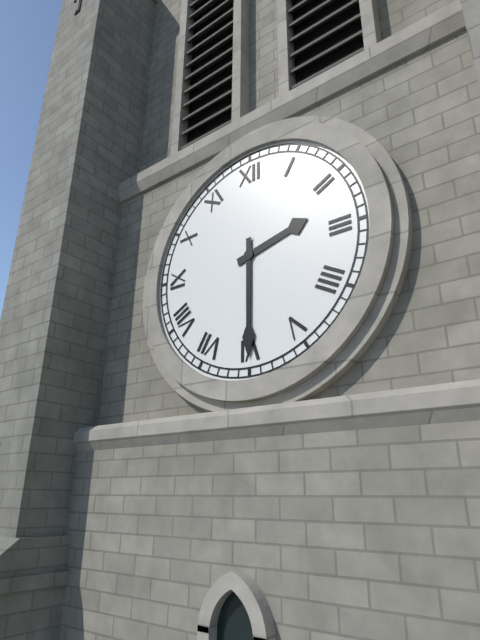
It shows 2.30
